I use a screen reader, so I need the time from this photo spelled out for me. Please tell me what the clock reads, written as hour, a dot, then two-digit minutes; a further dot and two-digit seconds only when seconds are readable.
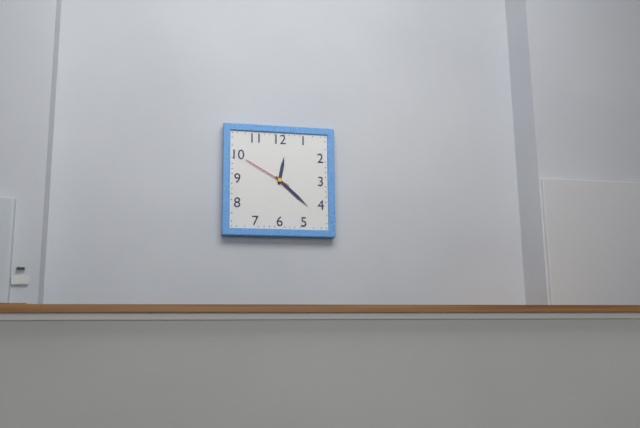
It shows 12.22
